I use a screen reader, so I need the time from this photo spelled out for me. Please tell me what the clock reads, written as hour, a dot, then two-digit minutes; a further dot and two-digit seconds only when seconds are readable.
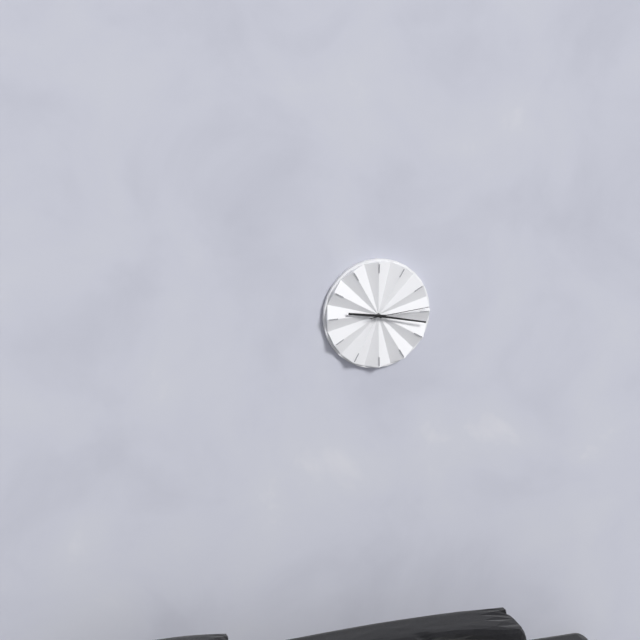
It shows 9.17.14
